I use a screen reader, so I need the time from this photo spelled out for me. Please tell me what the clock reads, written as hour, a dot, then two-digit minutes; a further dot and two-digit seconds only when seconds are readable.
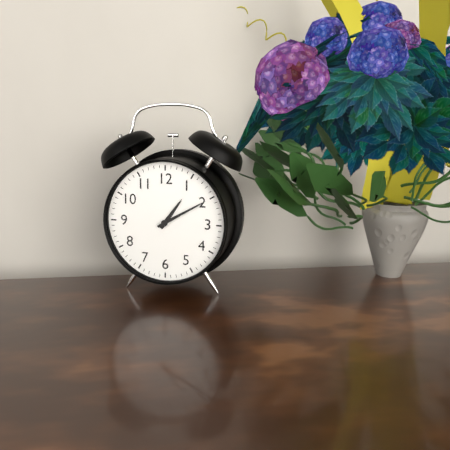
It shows 1.10
